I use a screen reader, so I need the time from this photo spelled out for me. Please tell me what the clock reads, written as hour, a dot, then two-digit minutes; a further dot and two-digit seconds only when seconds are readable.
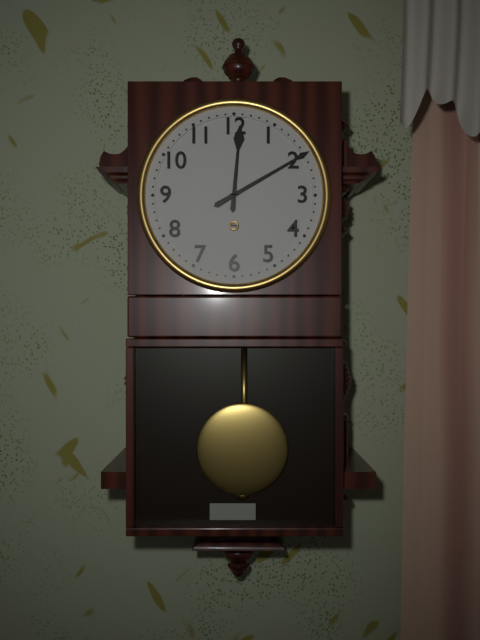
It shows 12.10
